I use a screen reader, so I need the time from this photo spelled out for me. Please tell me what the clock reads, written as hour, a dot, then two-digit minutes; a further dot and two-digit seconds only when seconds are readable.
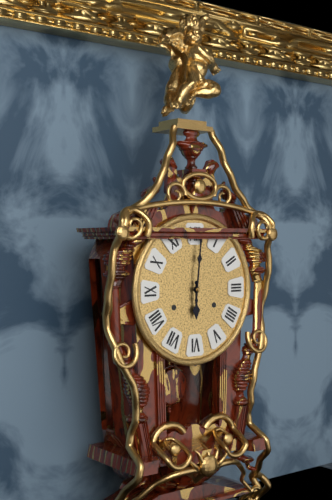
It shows 6.01
